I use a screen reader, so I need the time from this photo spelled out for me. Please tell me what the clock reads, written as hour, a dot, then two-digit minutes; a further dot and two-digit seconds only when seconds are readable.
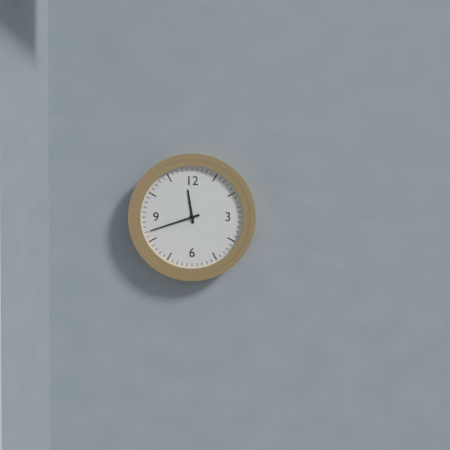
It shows 11.42
